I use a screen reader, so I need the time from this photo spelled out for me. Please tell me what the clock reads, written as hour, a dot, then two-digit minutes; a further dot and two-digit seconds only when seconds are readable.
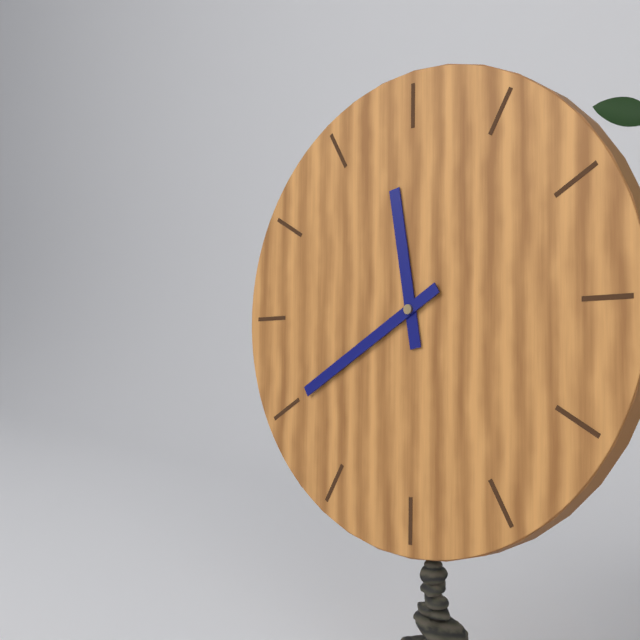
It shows 11.40
